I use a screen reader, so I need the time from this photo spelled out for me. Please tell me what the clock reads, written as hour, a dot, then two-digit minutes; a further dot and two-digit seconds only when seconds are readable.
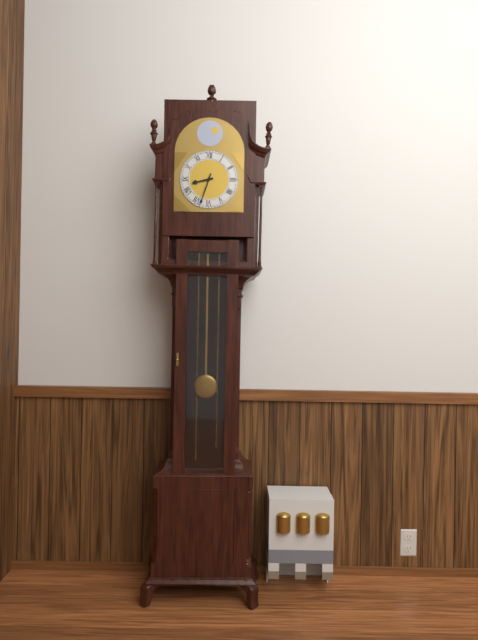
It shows 8.33
